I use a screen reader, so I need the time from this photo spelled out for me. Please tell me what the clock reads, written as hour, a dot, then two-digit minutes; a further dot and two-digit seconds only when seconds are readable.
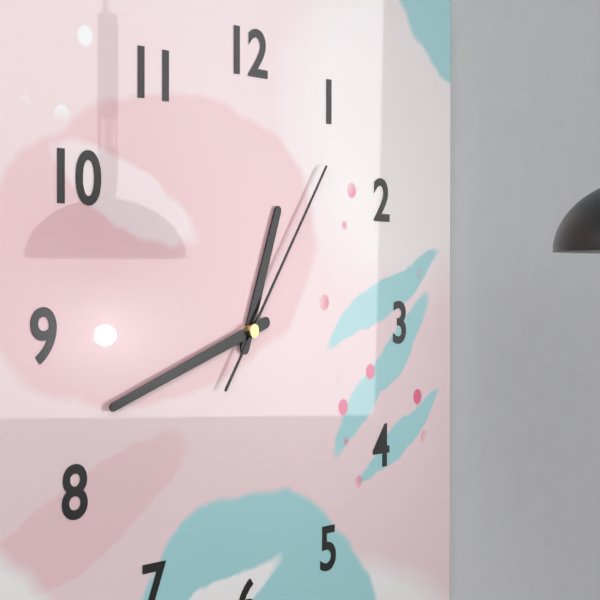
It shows 12.42.06
